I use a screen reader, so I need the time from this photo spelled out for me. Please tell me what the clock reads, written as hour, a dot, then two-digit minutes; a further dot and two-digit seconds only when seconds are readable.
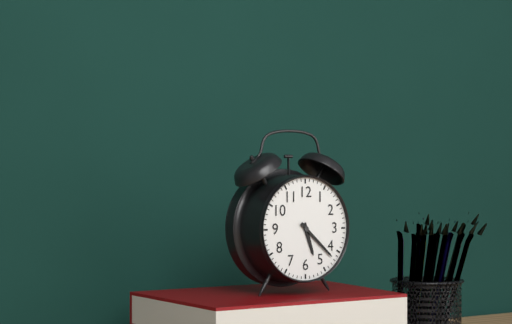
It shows 5.22
